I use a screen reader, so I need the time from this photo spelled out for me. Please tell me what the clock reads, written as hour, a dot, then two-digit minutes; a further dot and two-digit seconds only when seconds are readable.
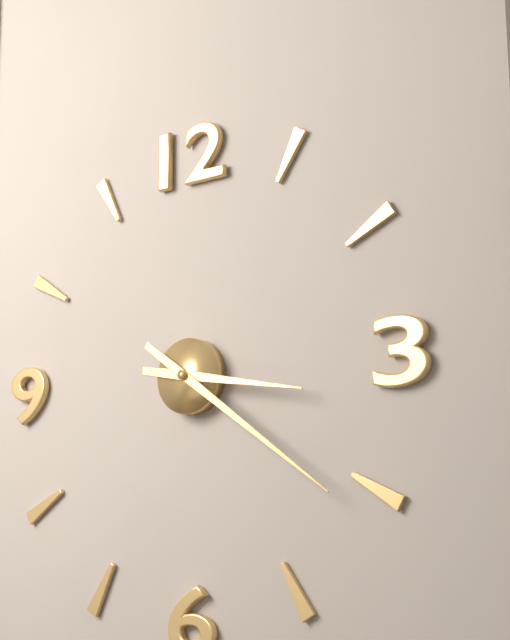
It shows 3.21
